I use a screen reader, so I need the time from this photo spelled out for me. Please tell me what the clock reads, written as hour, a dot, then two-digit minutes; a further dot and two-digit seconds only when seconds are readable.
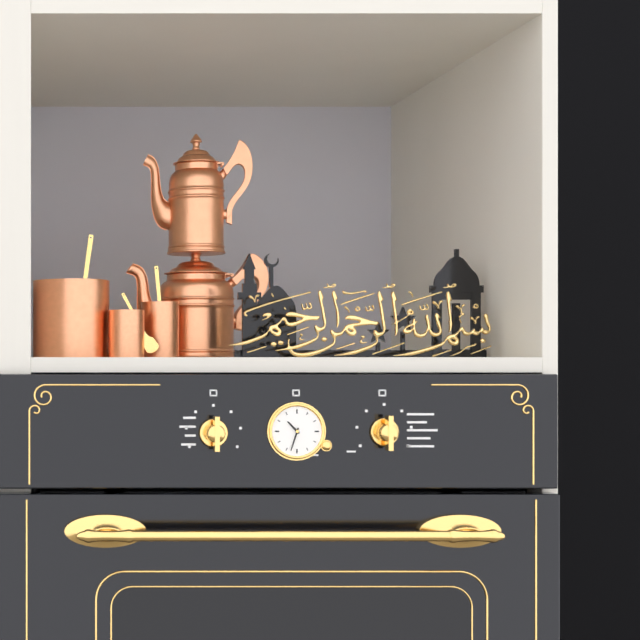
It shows 10.33
